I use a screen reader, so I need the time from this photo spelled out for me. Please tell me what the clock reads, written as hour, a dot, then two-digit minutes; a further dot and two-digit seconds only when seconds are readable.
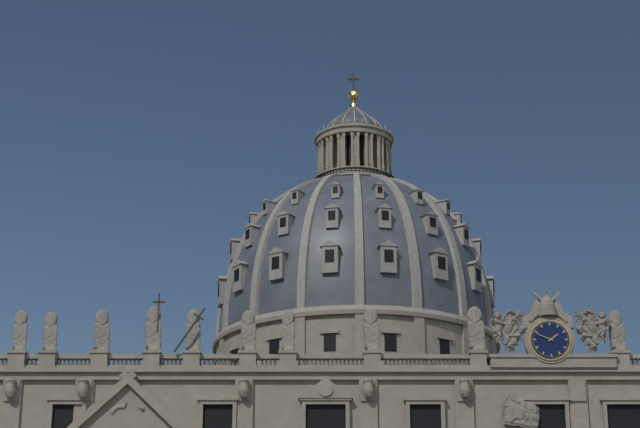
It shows 1.49
